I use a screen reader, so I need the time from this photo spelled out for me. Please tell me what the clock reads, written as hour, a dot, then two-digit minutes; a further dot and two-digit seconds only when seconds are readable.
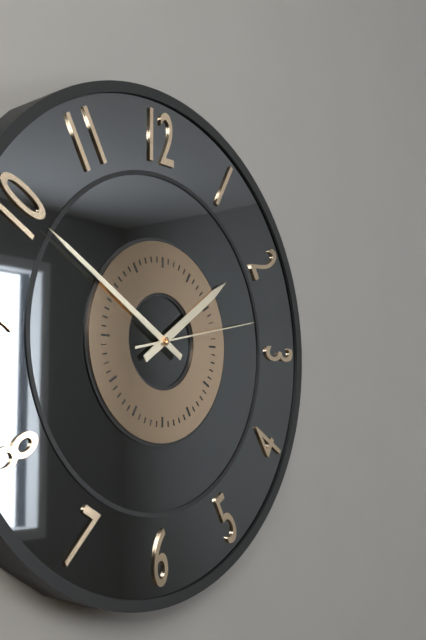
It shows 1.50.13
